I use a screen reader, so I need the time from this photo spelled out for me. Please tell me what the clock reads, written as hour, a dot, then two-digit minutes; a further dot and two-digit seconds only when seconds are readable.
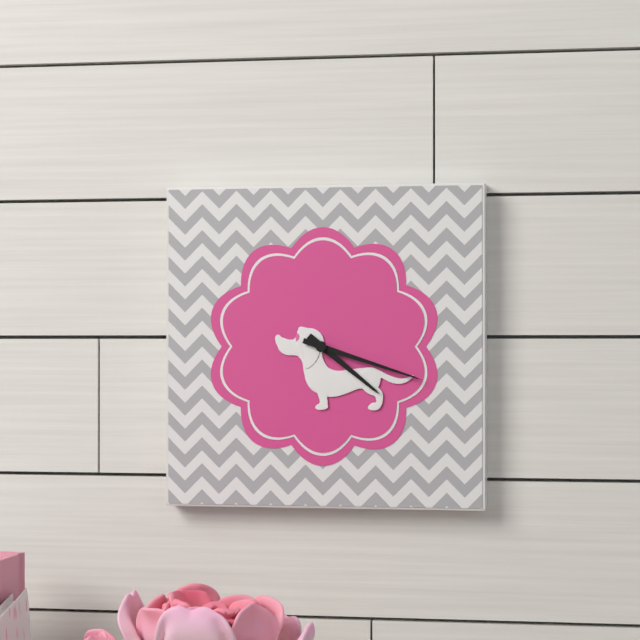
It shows 4.18
